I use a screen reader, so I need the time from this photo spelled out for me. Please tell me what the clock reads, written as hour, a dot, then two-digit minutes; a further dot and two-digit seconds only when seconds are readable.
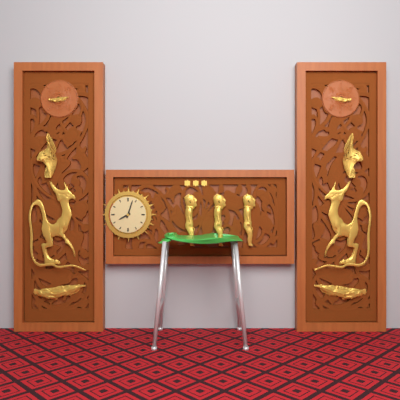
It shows 8.03
